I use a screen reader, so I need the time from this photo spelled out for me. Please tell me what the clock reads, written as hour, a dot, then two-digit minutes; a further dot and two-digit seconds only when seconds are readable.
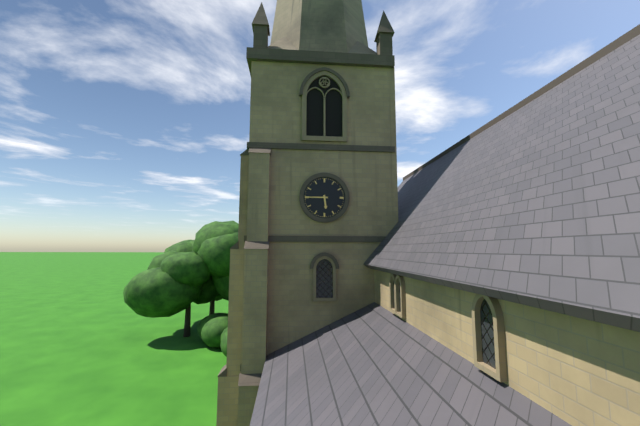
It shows 5.45
